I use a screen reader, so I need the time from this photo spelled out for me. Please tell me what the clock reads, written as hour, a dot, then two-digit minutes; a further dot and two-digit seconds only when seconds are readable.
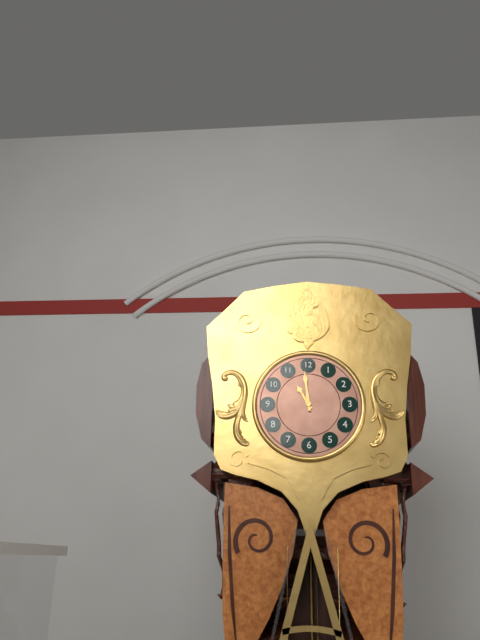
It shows 10.59
